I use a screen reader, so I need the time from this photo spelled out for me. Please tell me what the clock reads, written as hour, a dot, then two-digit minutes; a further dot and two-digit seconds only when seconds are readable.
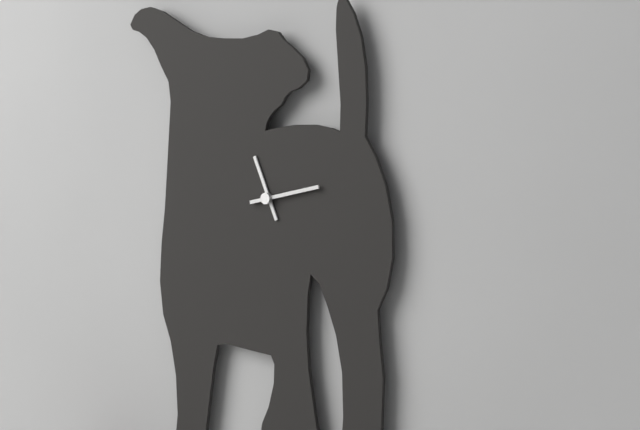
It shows 11.13
